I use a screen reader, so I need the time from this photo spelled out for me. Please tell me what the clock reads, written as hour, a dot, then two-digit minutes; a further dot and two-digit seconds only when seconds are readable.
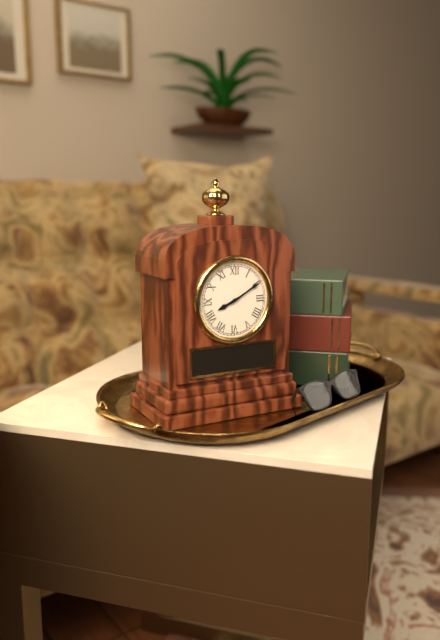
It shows 8.10
